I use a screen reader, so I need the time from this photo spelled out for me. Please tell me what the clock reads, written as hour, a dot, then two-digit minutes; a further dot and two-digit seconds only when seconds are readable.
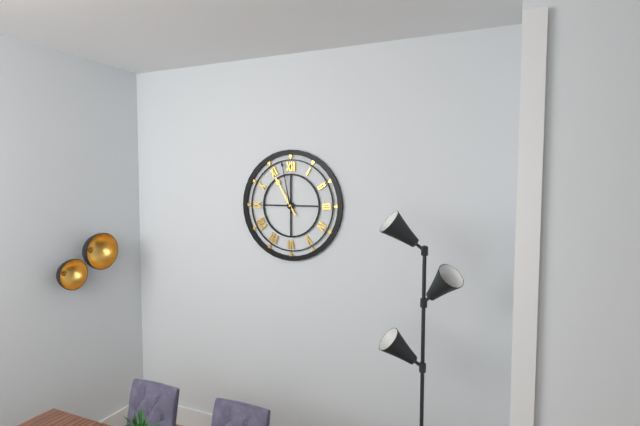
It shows 10.58
